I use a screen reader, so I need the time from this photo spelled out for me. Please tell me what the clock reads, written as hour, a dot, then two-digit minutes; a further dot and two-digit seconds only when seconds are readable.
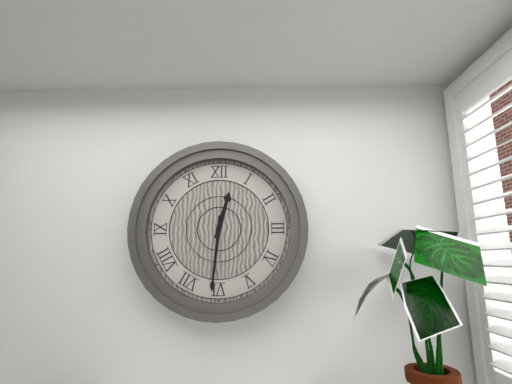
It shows 12.31
